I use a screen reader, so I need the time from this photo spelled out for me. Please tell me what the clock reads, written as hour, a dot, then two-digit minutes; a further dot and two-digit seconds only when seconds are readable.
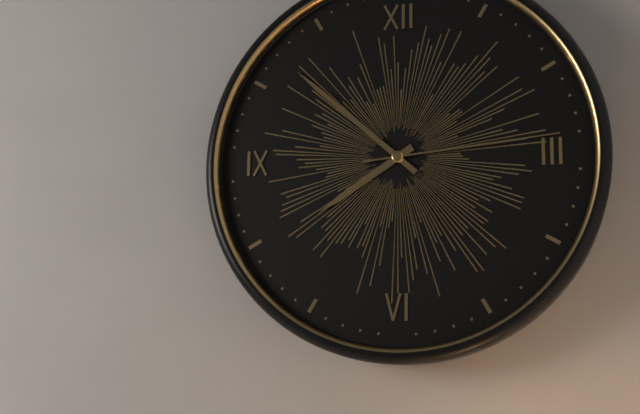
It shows 7.52.14
